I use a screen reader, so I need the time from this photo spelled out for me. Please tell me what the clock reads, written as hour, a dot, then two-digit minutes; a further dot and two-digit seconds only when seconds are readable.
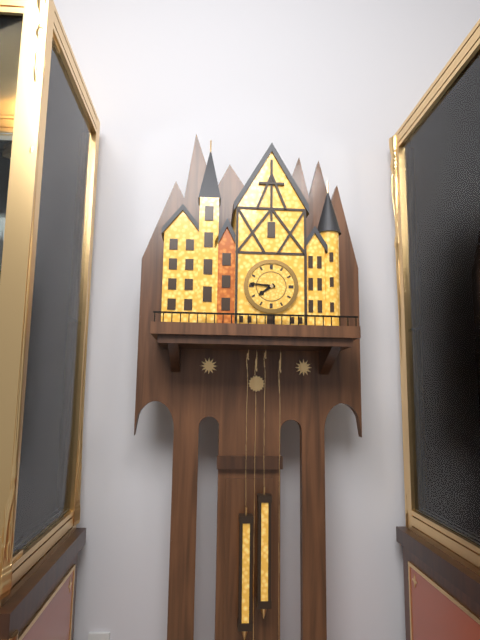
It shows 7.46
